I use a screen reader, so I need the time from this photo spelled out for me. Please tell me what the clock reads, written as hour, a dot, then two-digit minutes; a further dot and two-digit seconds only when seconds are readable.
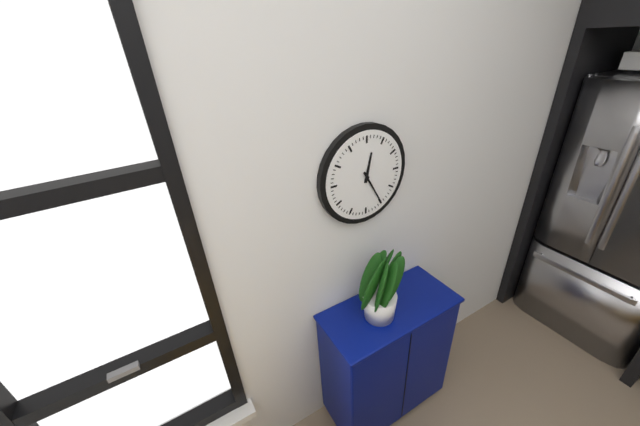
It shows 12.25
